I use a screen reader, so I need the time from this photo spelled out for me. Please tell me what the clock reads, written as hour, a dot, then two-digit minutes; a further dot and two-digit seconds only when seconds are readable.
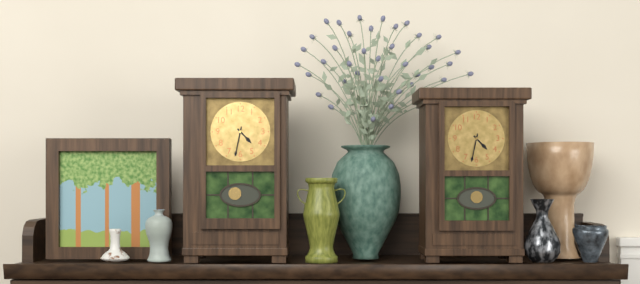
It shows 4.32
